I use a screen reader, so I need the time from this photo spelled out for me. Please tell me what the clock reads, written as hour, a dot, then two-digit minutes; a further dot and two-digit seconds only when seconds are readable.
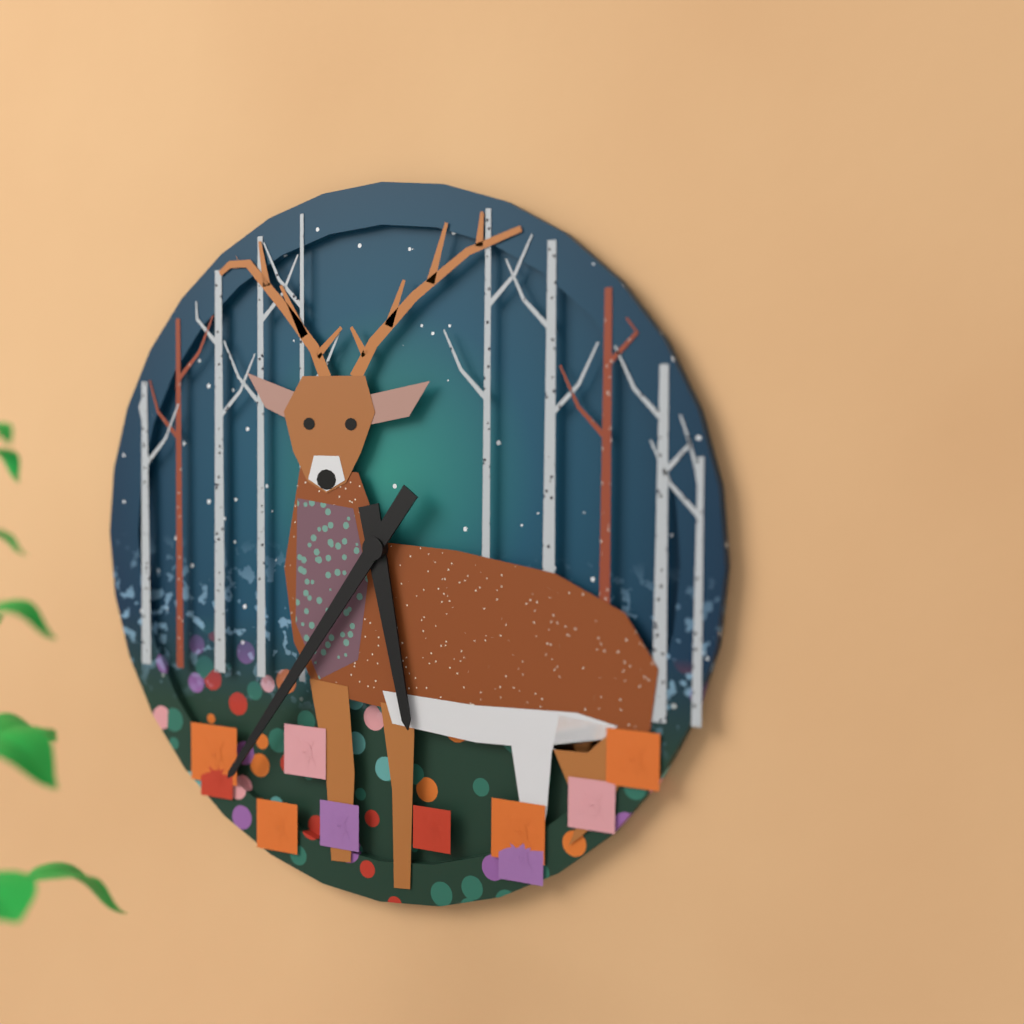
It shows 5.36
